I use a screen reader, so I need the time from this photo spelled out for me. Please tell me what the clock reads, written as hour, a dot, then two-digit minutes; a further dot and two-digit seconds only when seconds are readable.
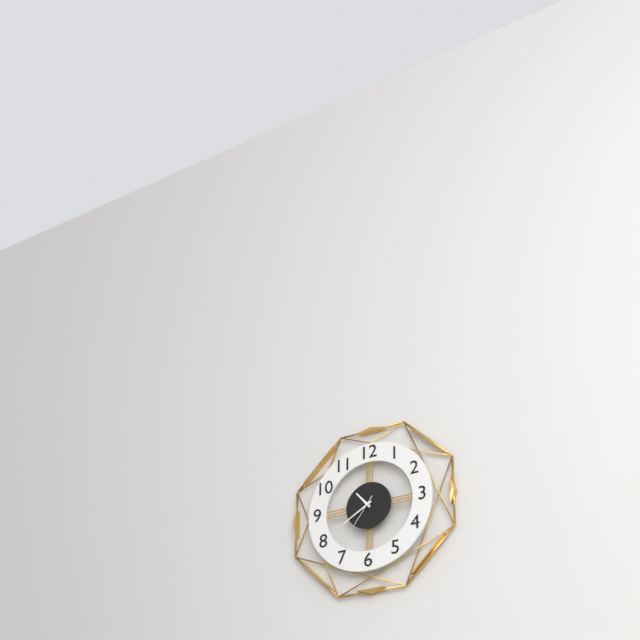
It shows 10.40
